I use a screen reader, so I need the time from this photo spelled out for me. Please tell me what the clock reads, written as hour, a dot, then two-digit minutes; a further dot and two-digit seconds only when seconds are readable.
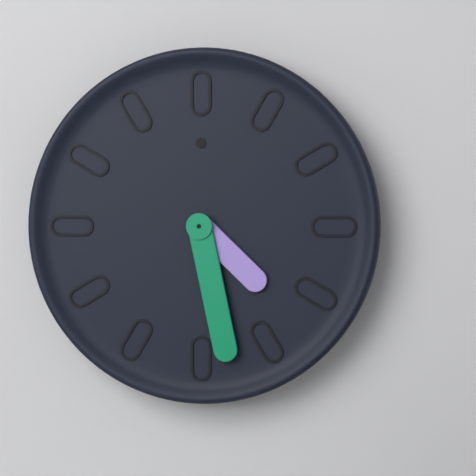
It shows 4.28
